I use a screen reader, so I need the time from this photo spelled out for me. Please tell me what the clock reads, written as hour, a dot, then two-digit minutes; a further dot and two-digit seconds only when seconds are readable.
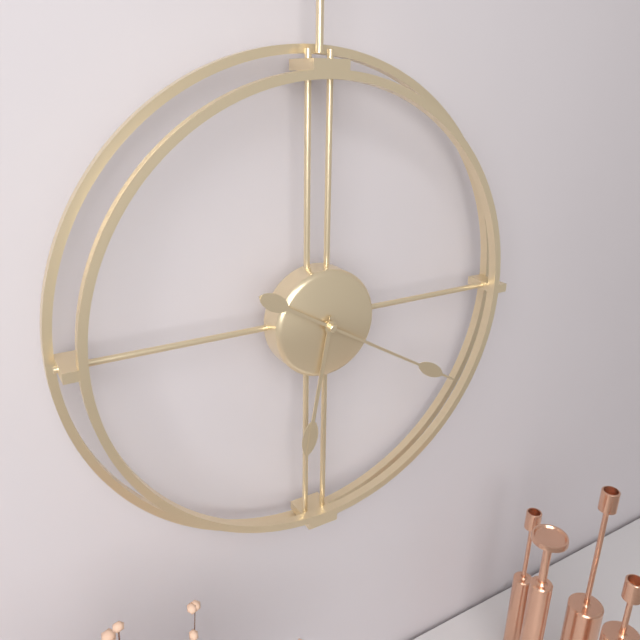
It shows 6.20
